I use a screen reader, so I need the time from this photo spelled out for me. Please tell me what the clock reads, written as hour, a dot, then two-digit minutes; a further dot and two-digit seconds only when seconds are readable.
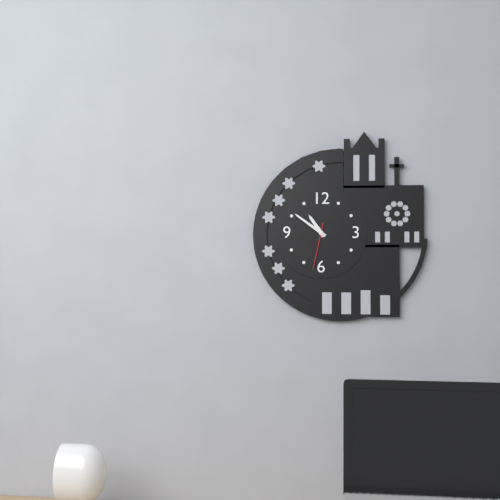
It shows 10.51
